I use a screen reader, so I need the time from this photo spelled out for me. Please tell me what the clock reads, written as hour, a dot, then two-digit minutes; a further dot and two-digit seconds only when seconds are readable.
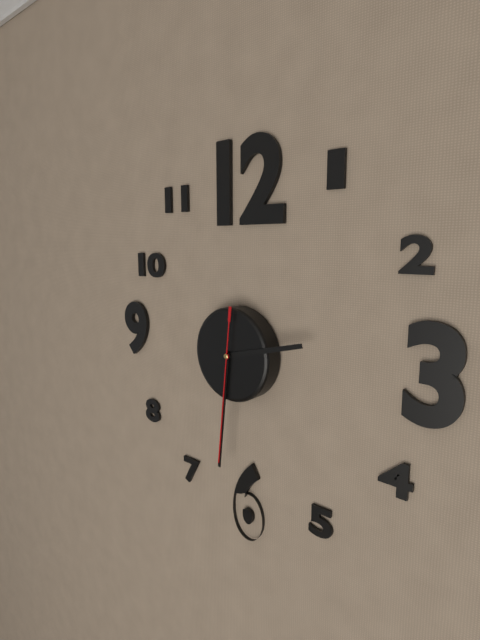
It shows 2.31.31
